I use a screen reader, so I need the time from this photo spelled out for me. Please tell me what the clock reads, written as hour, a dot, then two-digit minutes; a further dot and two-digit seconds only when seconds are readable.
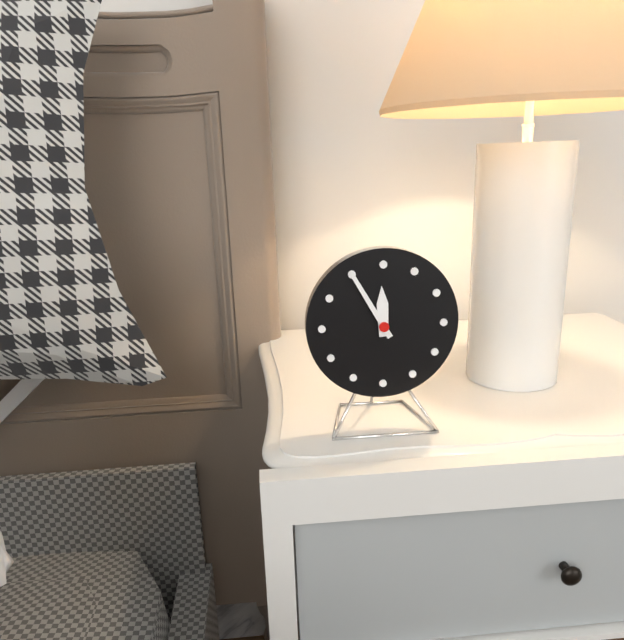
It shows 11.55
